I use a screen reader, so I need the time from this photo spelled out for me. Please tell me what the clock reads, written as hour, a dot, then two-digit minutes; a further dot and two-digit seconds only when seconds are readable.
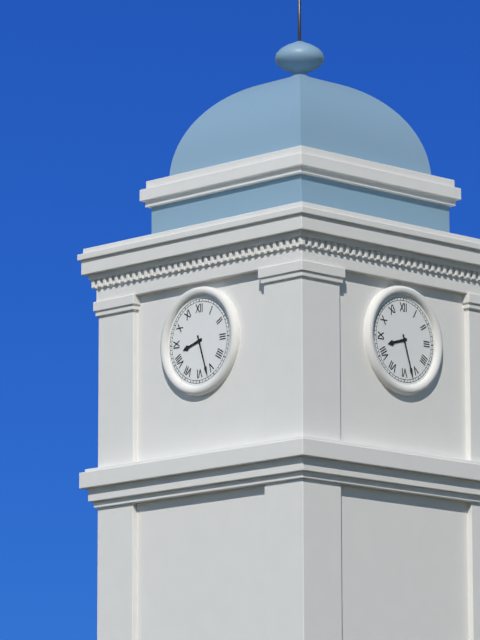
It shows 8.27
